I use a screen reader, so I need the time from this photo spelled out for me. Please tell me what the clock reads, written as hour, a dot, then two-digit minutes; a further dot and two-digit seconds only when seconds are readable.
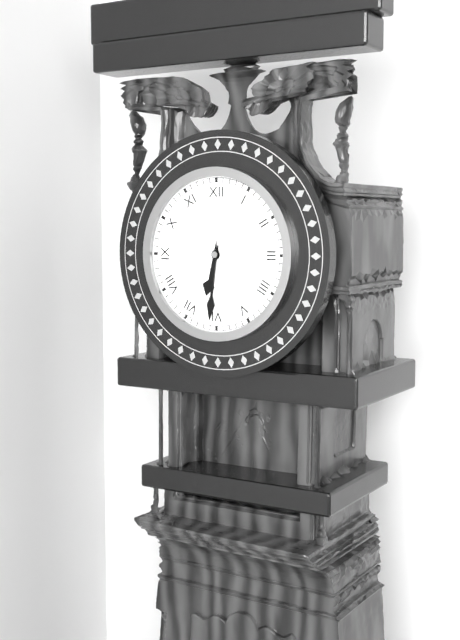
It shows 6.31
